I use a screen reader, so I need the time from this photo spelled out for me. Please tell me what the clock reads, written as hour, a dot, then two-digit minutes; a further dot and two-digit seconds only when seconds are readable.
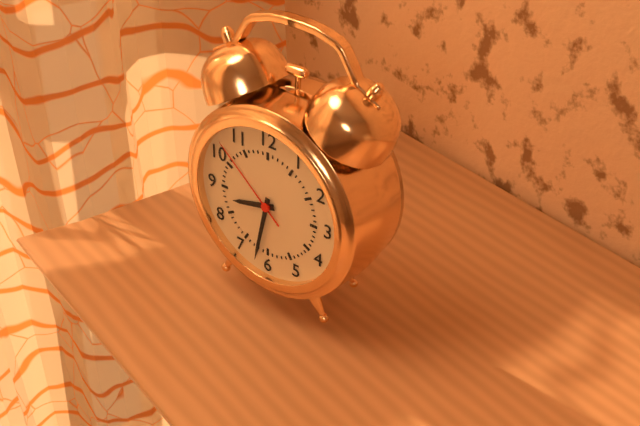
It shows 8.32.52
